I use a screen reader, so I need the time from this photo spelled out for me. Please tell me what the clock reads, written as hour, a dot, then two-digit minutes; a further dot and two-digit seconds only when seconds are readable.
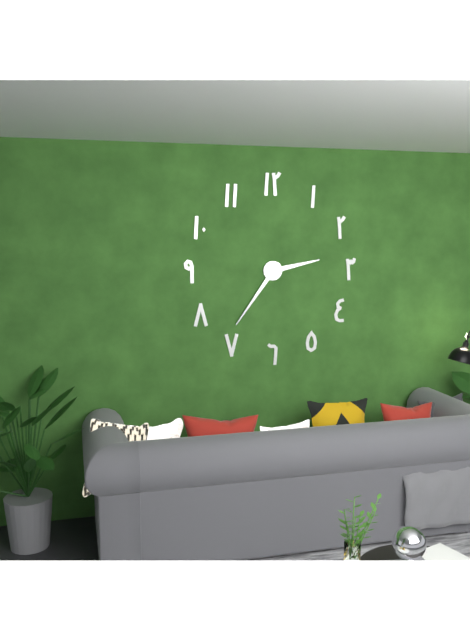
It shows 2.36
